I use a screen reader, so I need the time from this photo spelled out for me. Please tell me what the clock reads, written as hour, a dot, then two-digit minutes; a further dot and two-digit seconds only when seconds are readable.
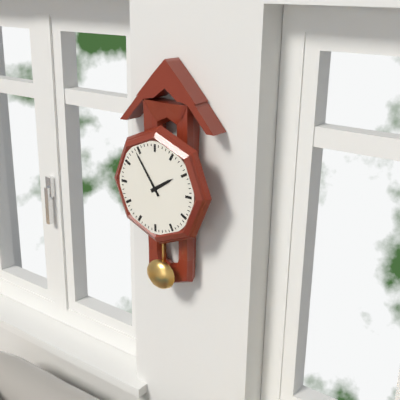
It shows 1.54
